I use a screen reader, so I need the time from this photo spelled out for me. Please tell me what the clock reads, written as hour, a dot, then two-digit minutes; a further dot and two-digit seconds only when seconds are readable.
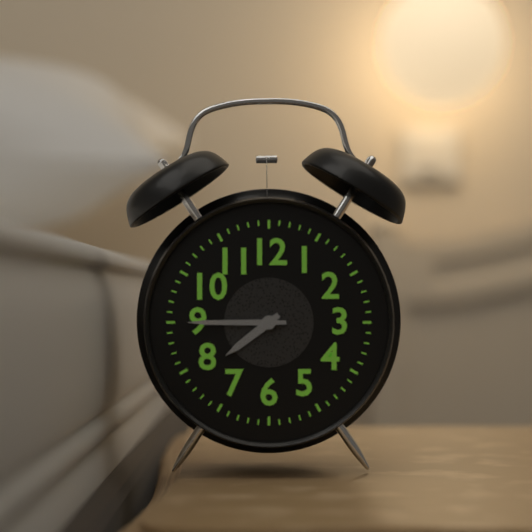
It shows 7.45
